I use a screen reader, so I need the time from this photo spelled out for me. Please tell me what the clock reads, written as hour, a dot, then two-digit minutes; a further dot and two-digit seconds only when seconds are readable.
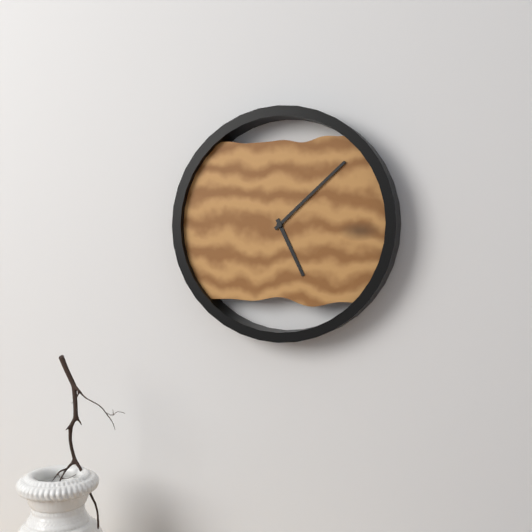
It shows 5.08
